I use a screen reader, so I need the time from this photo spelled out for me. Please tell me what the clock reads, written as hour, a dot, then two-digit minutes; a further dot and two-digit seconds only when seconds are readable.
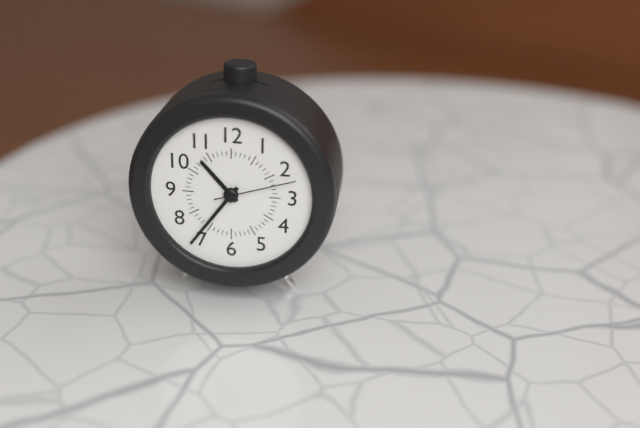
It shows 10.36.12
